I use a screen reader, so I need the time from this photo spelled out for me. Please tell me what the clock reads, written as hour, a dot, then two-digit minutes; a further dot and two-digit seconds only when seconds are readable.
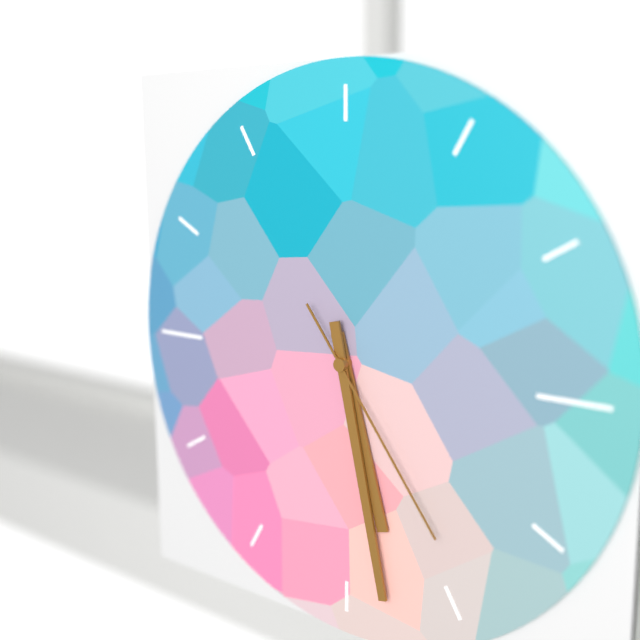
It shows 5.28.24
